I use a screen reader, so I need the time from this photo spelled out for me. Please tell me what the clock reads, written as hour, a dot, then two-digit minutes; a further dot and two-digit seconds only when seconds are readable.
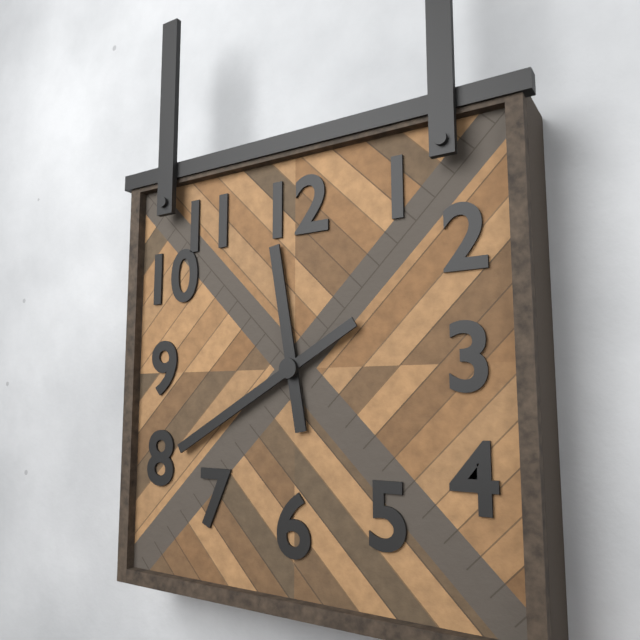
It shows 11.40
